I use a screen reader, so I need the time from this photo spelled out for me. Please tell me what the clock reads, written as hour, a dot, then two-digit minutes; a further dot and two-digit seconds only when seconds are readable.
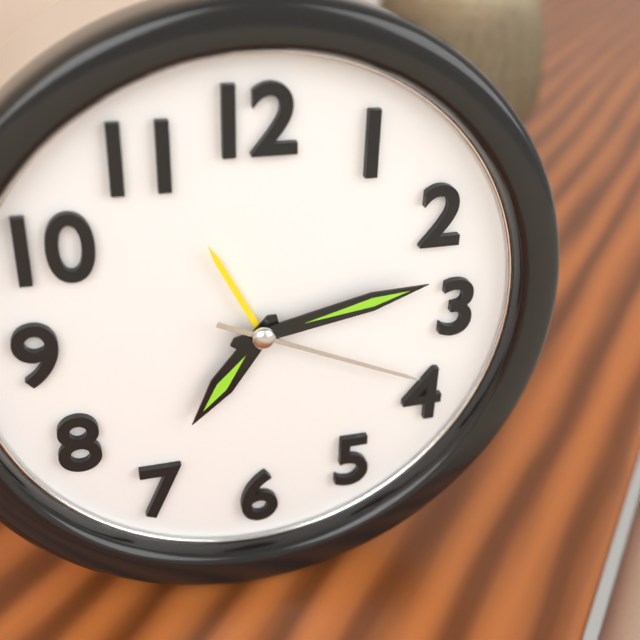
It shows 7.13.19
